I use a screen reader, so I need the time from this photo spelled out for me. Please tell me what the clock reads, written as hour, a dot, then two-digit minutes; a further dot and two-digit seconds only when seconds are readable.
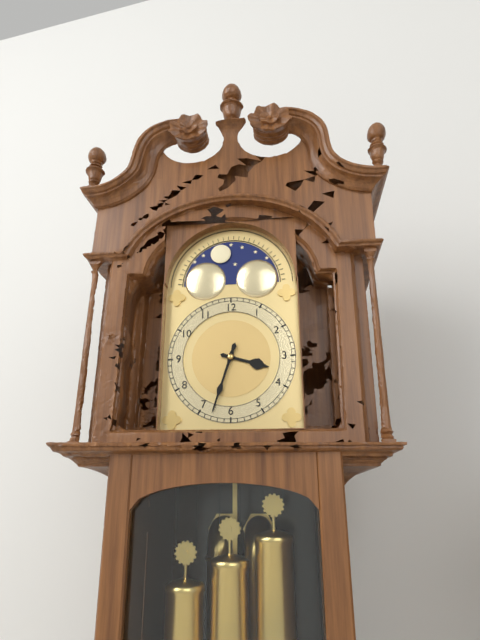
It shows 3.33
